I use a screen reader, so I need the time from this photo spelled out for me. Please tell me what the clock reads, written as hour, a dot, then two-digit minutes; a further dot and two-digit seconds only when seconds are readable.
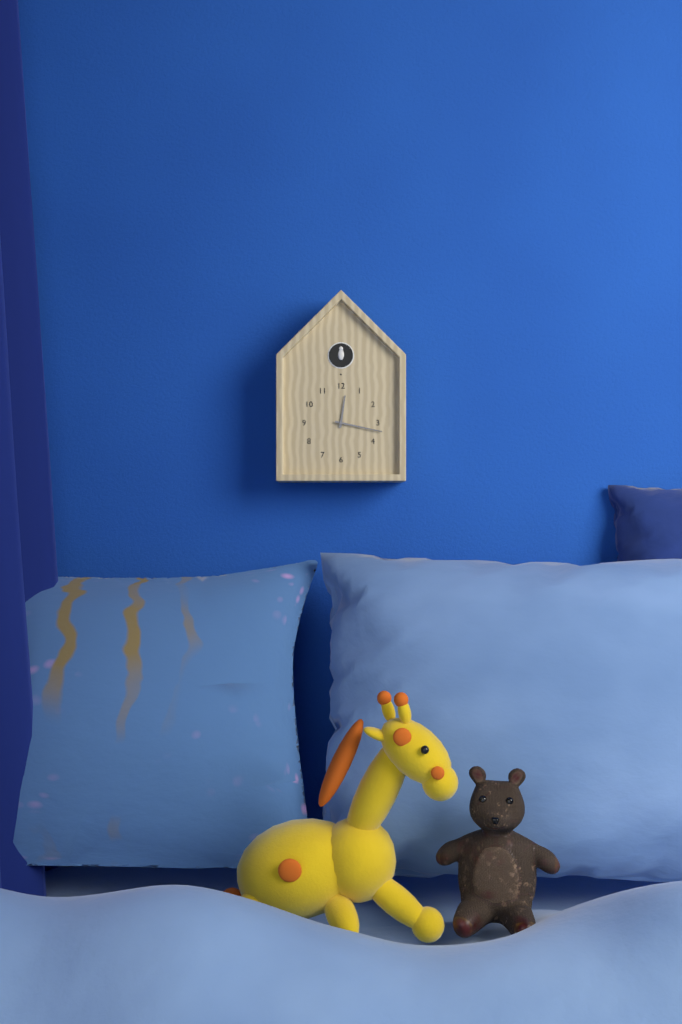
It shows 12.17
